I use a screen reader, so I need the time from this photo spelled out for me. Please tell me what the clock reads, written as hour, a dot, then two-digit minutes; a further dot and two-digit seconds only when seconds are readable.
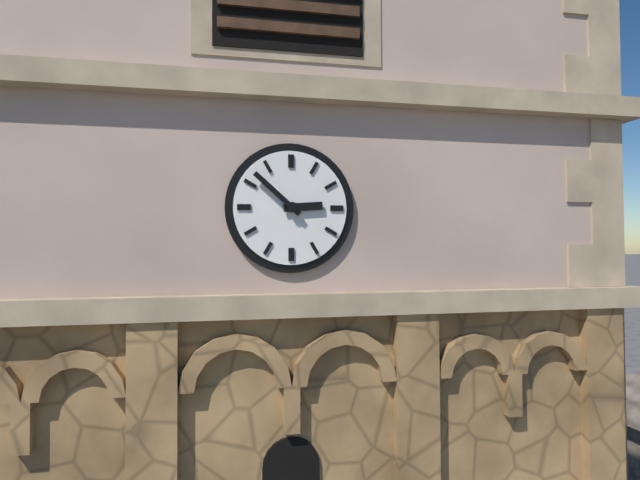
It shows 2.52
